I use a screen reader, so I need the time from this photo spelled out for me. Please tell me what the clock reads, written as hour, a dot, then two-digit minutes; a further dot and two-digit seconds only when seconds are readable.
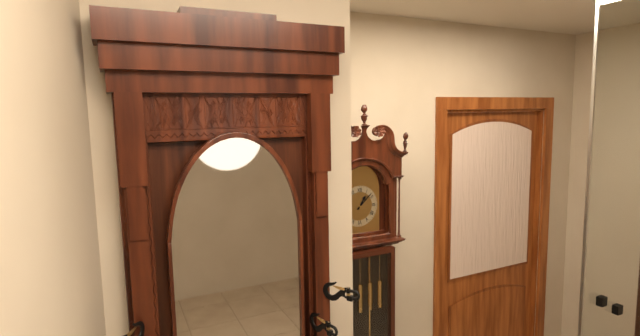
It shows 1.08
